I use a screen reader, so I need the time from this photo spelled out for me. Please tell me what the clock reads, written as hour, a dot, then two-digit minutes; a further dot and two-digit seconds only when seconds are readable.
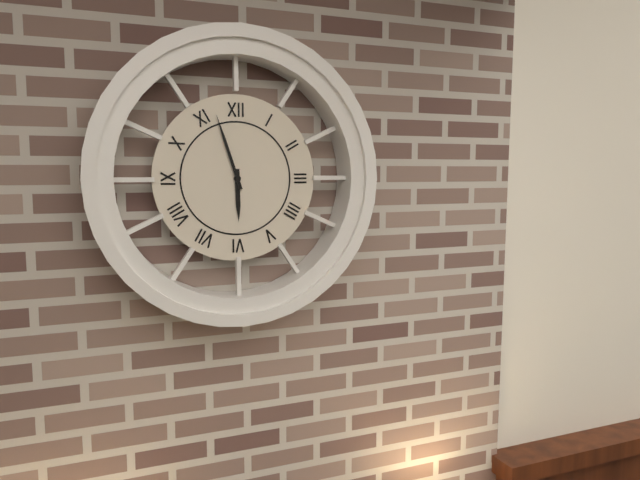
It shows 5.57
